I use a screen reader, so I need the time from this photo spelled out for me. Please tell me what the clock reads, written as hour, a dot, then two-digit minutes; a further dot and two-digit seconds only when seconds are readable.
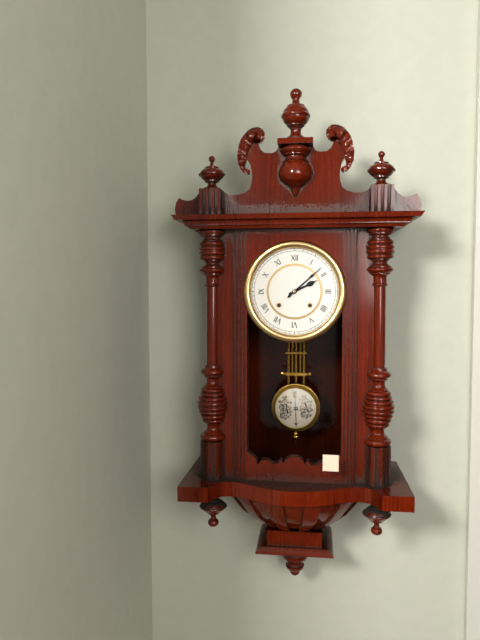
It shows 2.08
